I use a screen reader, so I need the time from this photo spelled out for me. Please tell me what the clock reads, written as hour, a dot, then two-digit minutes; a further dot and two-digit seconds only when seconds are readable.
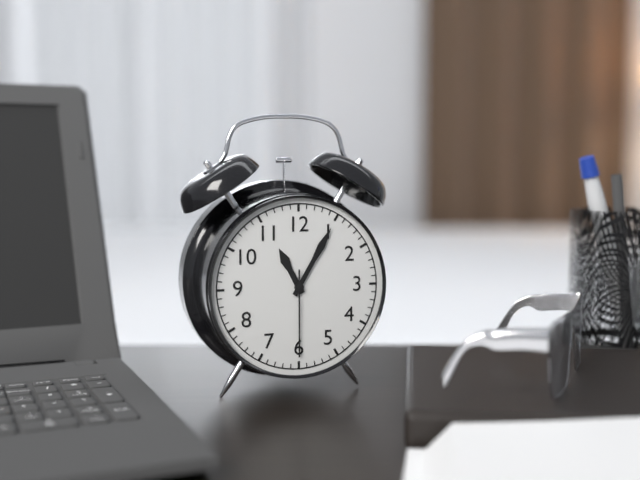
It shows 11.05.30
